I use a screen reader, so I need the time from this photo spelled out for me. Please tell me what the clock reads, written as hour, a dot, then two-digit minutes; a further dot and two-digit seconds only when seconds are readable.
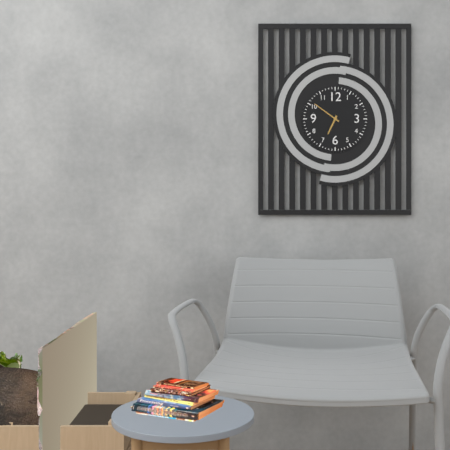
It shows 6.51
